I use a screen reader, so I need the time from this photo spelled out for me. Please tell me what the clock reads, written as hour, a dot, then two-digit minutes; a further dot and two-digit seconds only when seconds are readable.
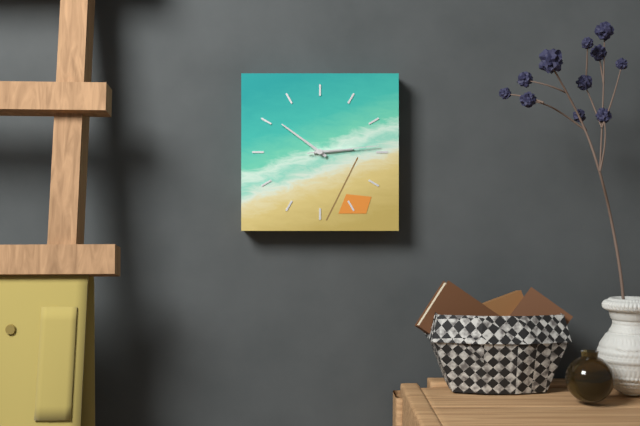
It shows 2.51.14
